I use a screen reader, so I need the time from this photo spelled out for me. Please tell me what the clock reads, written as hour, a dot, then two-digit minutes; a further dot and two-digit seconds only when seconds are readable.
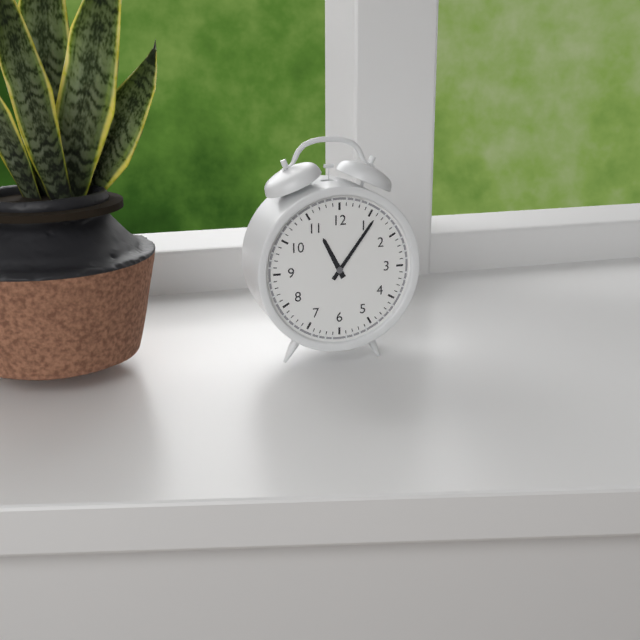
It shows 11.06
